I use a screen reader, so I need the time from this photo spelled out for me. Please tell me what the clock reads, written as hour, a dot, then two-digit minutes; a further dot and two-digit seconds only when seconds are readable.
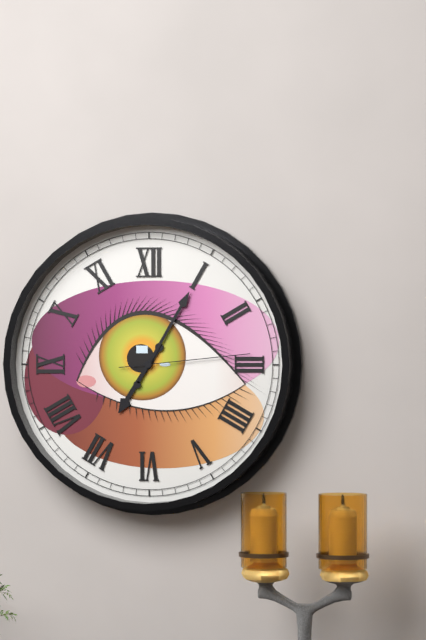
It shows 7.05.14
